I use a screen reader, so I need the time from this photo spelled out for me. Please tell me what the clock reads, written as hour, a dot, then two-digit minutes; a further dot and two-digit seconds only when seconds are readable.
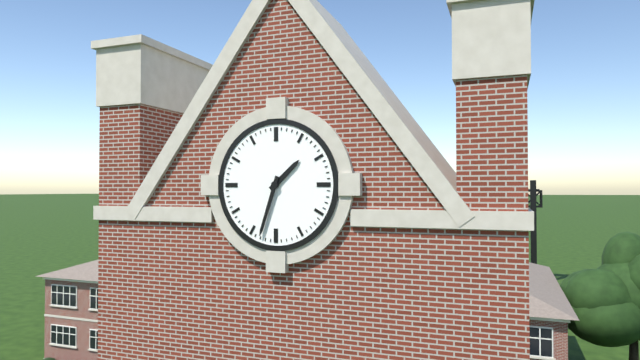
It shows 1.33
